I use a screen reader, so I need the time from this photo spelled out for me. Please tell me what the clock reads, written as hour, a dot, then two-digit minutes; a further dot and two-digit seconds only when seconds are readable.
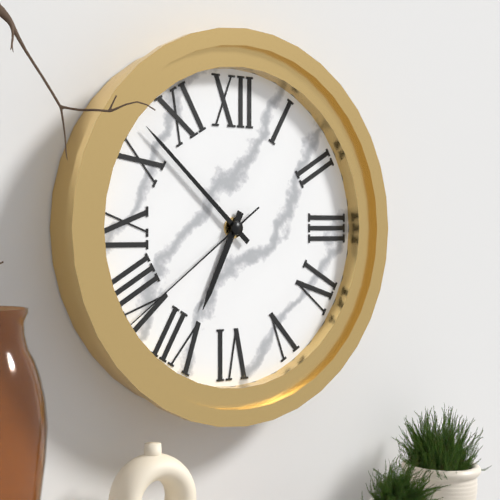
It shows 6.52.39
